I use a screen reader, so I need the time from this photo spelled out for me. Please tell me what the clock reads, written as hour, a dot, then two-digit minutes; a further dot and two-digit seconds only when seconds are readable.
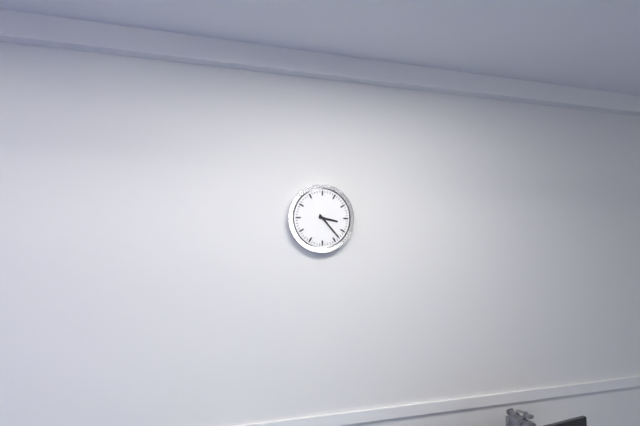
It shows 3.23
